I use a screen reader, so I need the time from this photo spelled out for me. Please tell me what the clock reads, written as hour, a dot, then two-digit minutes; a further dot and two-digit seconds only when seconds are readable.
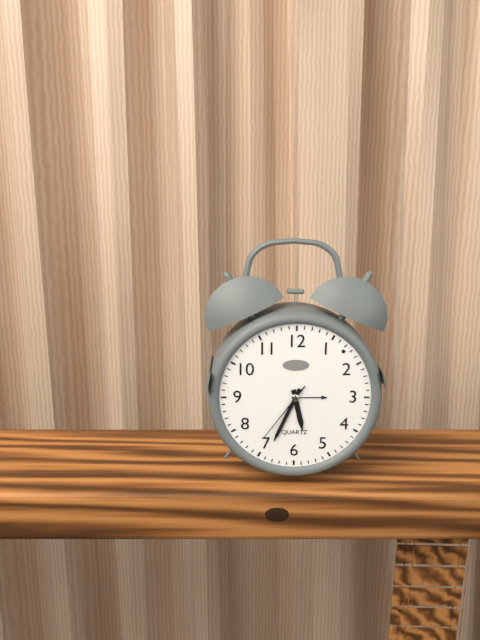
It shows 5.34.36
